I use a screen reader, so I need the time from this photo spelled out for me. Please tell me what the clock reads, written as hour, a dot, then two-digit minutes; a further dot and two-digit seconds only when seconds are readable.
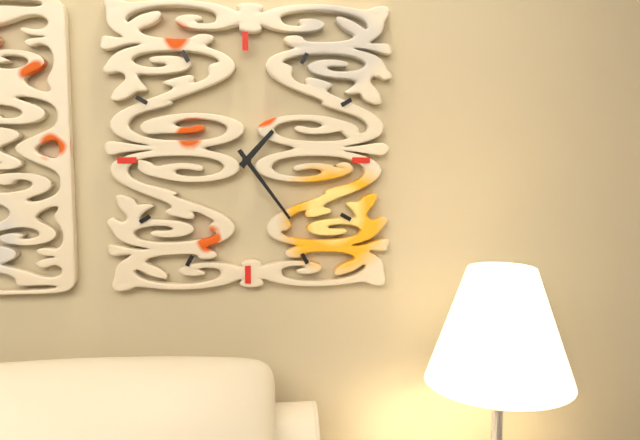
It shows 1.24
